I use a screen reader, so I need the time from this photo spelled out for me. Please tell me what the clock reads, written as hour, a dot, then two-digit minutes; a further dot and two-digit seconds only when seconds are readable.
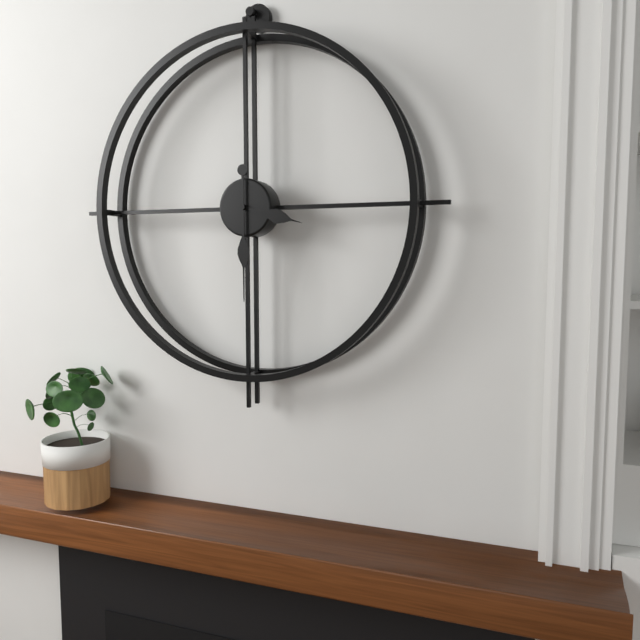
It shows 3.30
